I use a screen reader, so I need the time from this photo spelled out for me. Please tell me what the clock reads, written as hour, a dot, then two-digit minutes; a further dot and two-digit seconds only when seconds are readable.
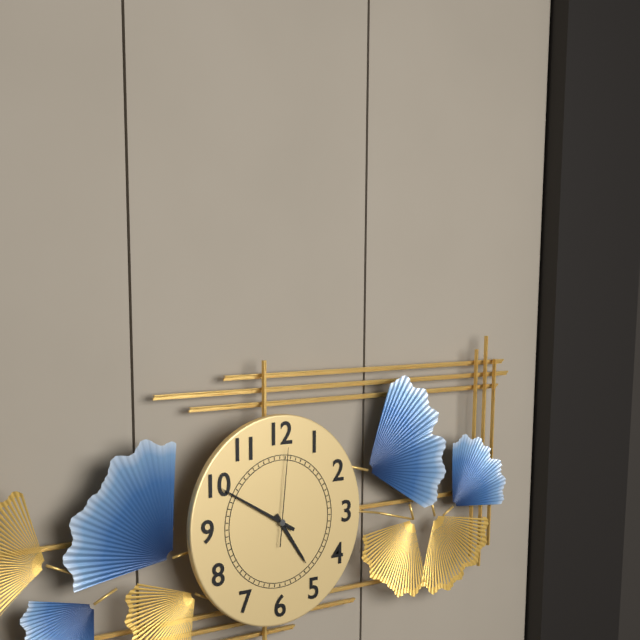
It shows 4.50.01
